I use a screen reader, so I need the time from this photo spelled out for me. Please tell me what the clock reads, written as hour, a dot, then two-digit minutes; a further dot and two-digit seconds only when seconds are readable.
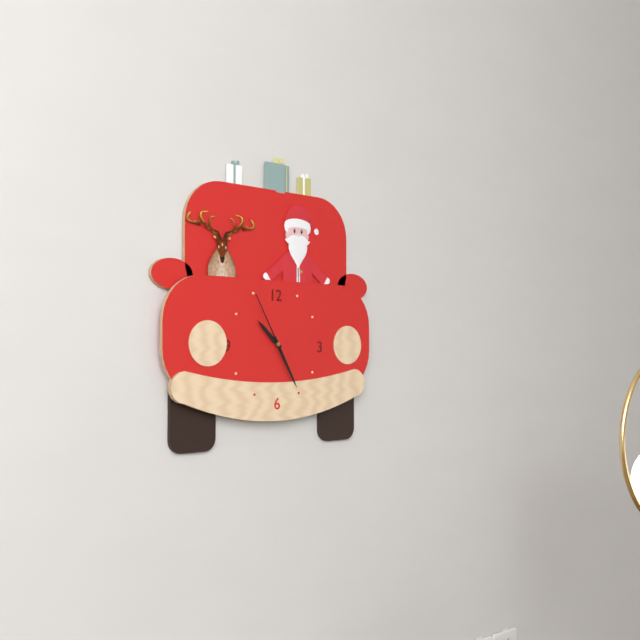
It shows 10.25.55
